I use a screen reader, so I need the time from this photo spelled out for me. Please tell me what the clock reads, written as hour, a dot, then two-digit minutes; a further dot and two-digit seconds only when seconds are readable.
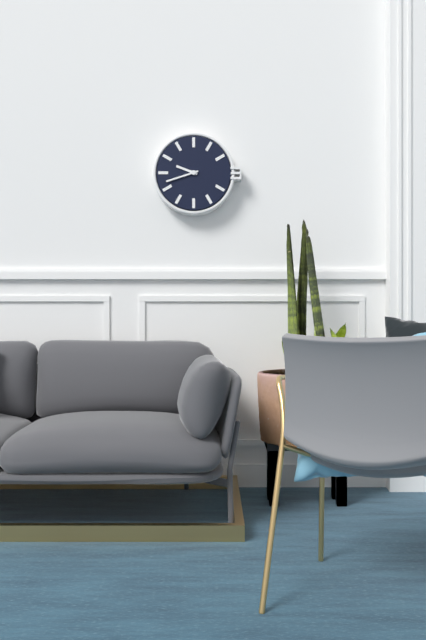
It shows 9.42
